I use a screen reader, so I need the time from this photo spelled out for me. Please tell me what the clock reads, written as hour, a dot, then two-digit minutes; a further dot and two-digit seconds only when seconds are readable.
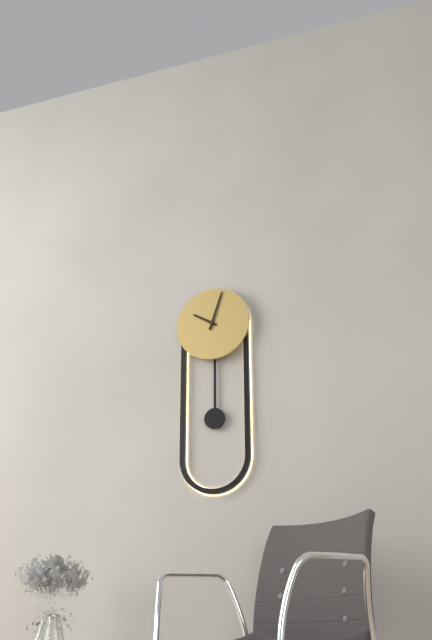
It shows 10.03
